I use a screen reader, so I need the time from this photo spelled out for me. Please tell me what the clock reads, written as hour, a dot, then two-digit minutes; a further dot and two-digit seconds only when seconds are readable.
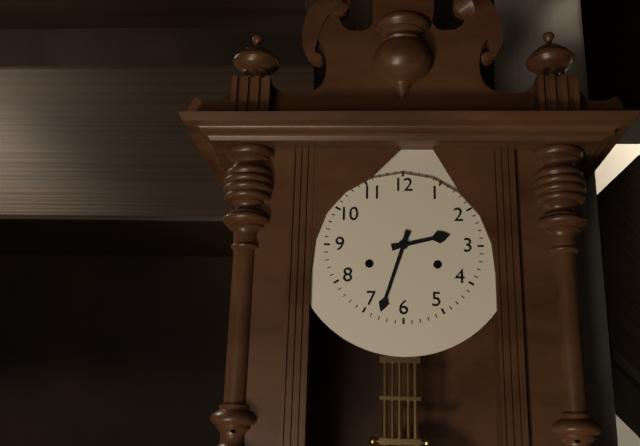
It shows 2.33
